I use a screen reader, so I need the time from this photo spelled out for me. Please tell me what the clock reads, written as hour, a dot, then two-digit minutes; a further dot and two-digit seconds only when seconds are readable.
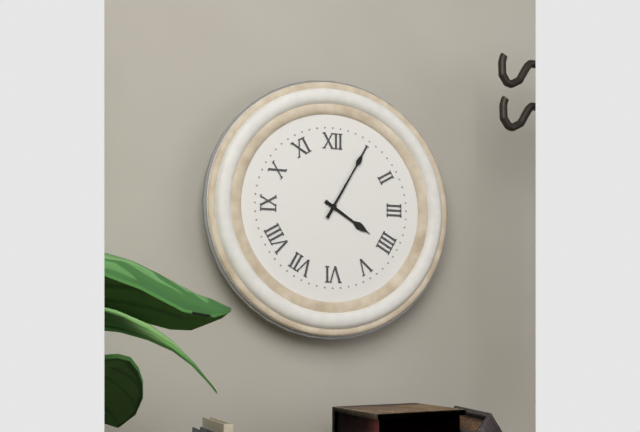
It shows 4.05
